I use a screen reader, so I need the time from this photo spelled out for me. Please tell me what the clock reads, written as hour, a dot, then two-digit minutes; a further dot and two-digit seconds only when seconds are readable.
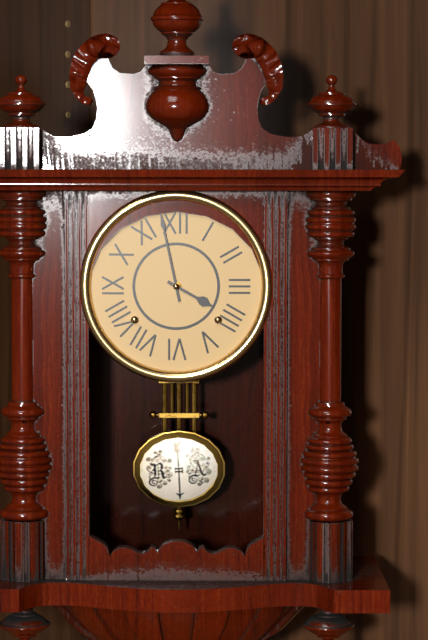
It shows 3.58
